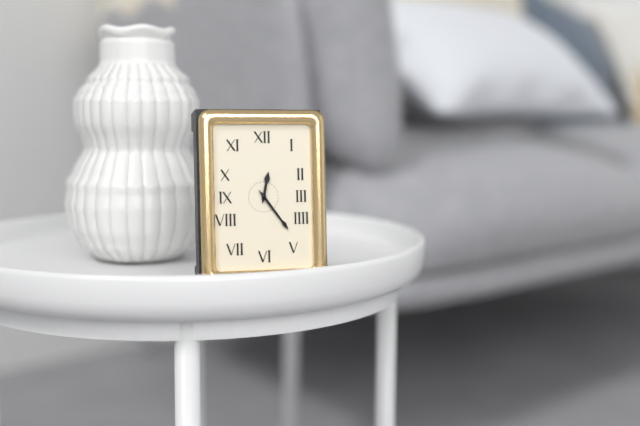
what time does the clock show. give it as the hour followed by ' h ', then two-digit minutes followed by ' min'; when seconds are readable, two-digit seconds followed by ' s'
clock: 12 h 24 min
